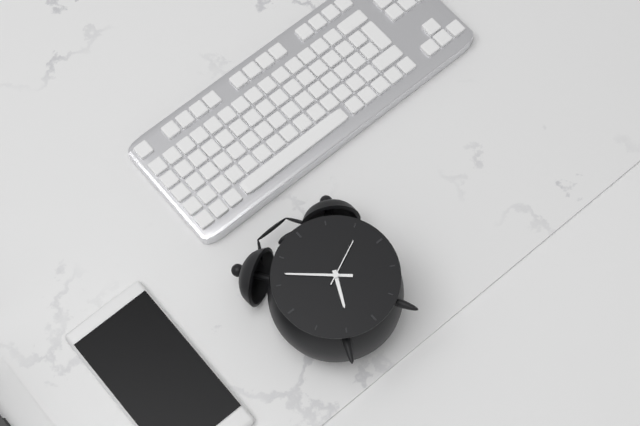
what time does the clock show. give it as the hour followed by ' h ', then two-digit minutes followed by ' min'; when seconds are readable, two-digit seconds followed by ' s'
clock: 6 h 52 min
